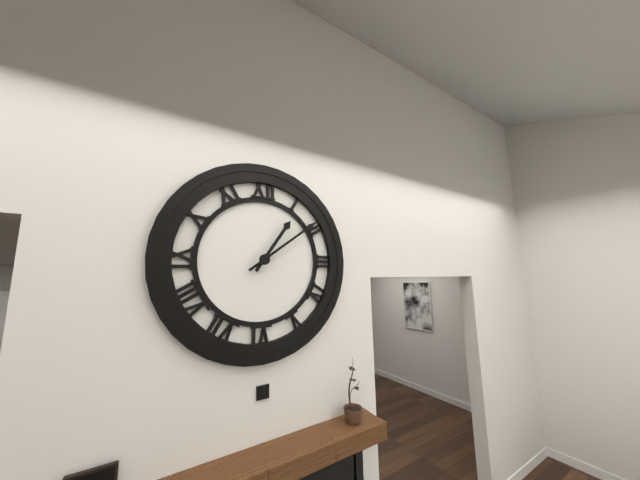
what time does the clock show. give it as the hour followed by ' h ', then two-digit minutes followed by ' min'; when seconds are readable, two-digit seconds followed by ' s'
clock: 1 h 09 min
